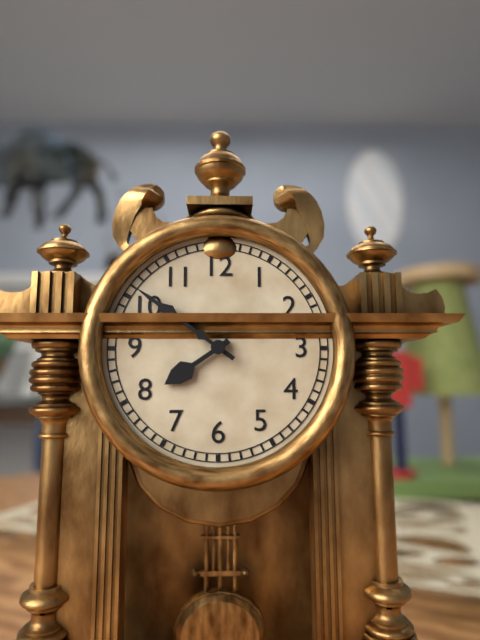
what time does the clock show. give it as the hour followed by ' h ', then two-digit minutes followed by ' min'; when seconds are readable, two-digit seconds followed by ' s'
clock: 7 h 51 min
